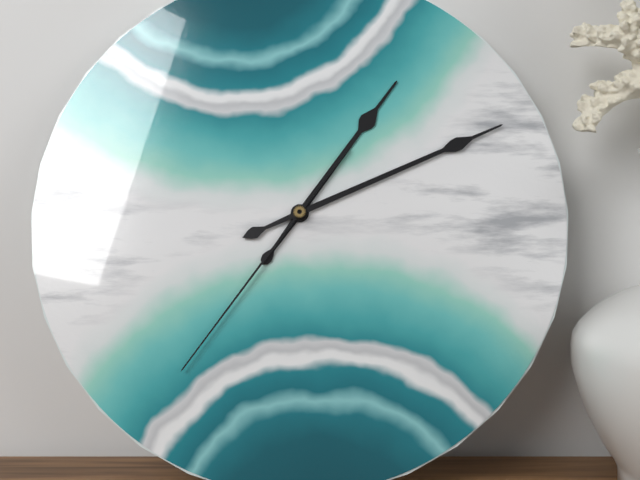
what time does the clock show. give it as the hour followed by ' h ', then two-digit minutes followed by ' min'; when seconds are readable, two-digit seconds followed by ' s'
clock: 1 h 11 min 36 s
